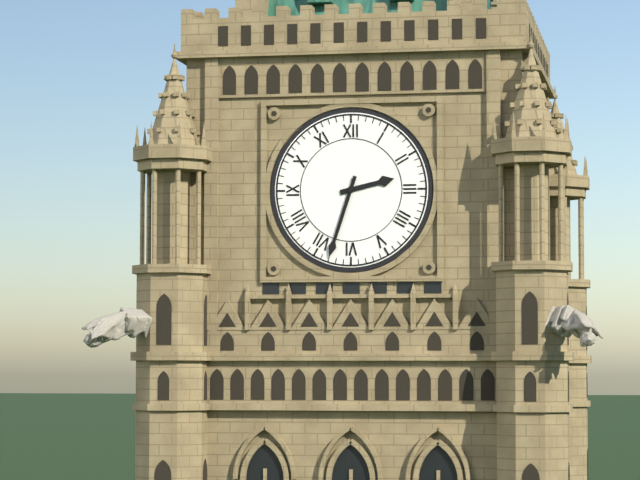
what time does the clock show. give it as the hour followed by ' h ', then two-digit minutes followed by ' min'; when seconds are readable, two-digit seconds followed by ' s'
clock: 2 h 33 min
